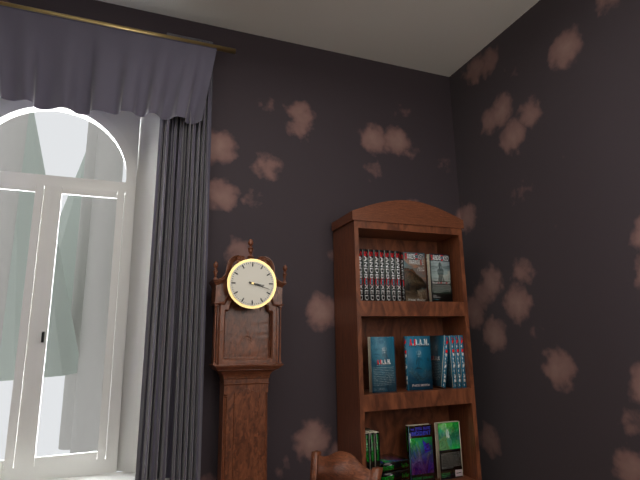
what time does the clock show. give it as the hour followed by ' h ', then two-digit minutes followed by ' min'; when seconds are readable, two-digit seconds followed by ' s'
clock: 3 h 18 min
